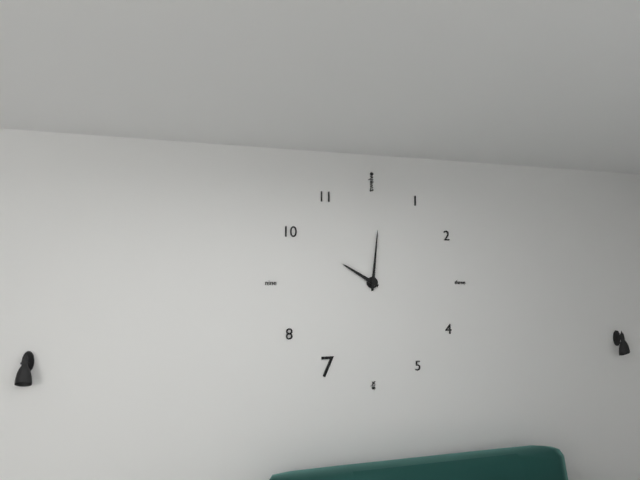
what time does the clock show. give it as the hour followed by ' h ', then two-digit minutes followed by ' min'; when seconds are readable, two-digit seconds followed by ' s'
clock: 10 h 01 min
